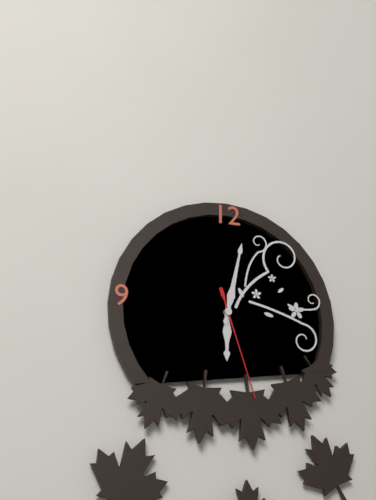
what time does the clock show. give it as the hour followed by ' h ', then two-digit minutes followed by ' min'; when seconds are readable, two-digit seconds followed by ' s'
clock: 6 h 02 min 27 s
